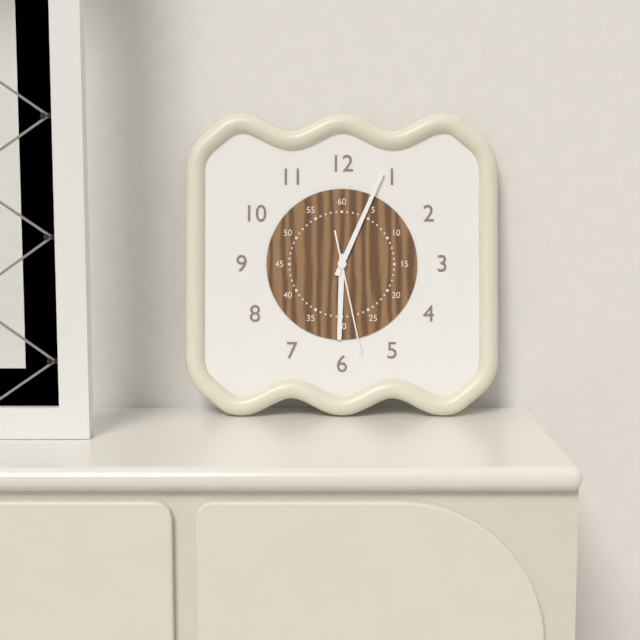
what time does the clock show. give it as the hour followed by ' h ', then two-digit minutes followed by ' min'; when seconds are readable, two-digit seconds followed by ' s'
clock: 6 h 04 min 28 s
